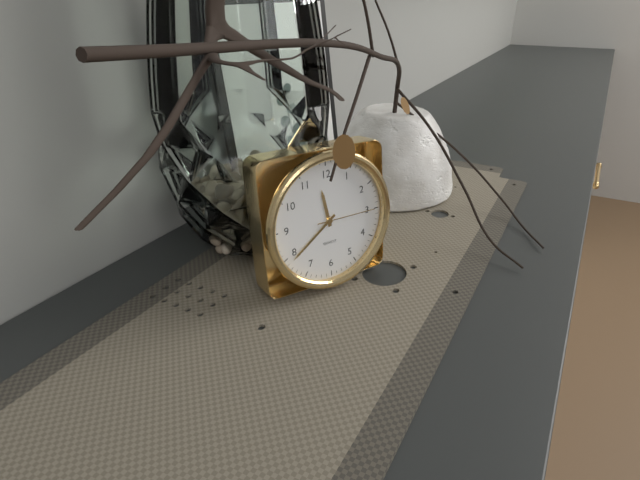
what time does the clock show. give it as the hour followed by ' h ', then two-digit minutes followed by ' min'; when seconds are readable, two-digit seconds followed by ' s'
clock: 11 h 39 min 15 s
